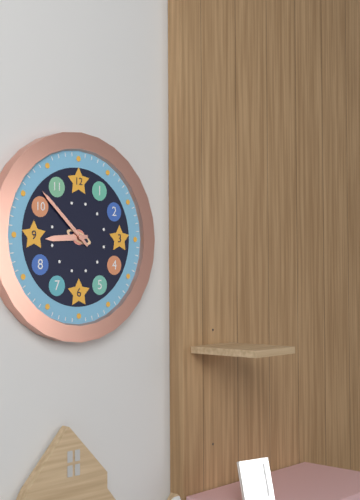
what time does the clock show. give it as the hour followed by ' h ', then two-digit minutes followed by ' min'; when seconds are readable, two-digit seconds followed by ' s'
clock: 8 h 52 min
